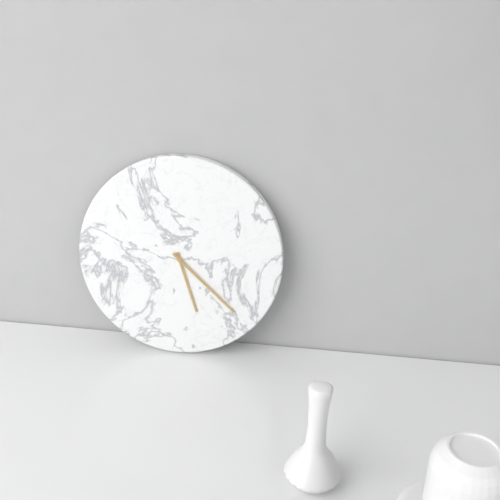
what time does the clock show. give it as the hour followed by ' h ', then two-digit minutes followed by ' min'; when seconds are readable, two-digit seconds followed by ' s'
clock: 5 h 22 min
